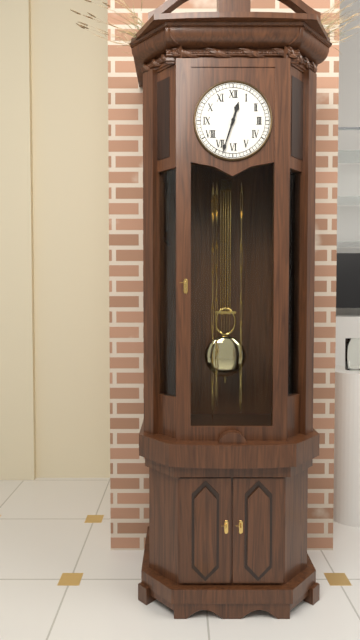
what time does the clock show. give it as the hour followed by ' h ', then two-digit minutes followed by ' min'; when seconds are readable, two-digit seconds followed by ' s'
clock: 12 h 33 min
